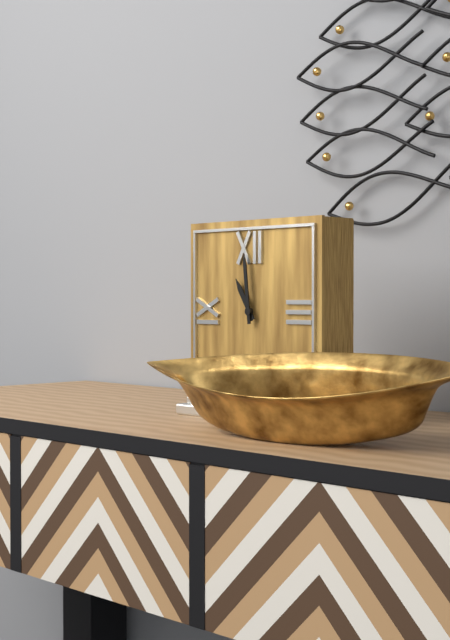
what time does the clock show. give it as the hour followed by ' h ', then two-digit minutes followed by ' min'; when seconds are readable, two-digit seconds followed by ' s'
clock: 10 h 59 min
